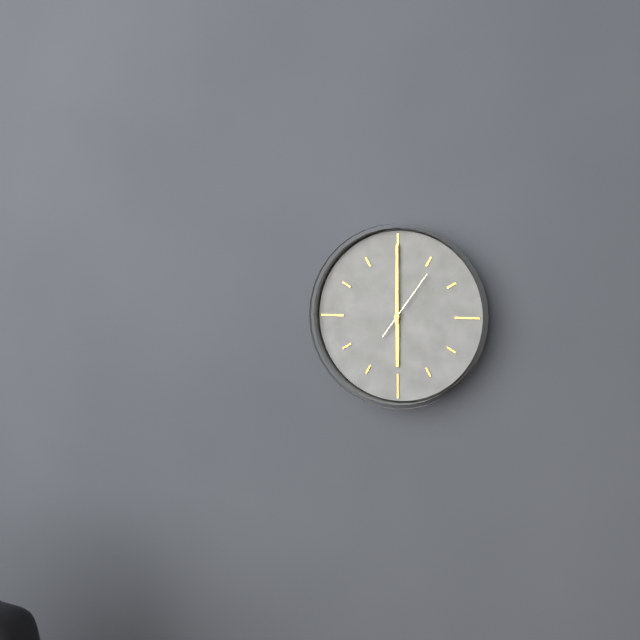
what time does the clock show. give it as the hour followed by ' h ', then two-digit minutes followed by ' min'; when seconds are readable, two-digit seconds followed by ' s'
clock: 6 h 00 min 06 s
